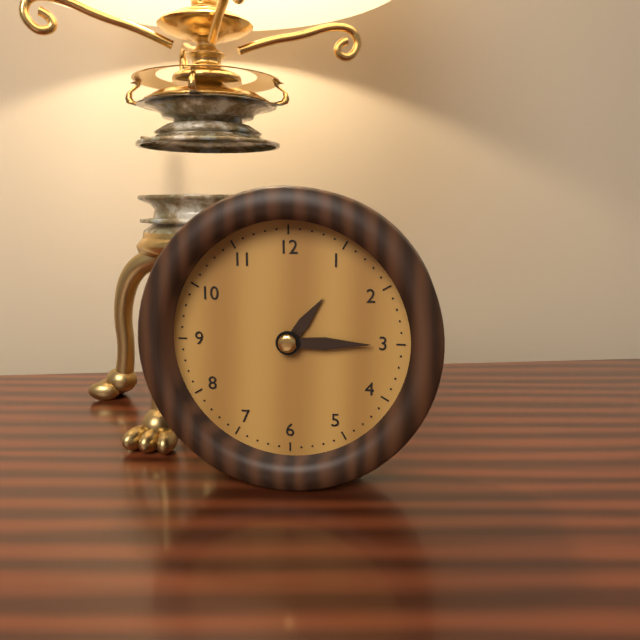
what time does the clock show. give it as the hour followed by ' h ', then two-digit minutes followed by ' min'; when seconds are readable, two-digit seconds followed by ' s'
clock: 1 h 15 min
